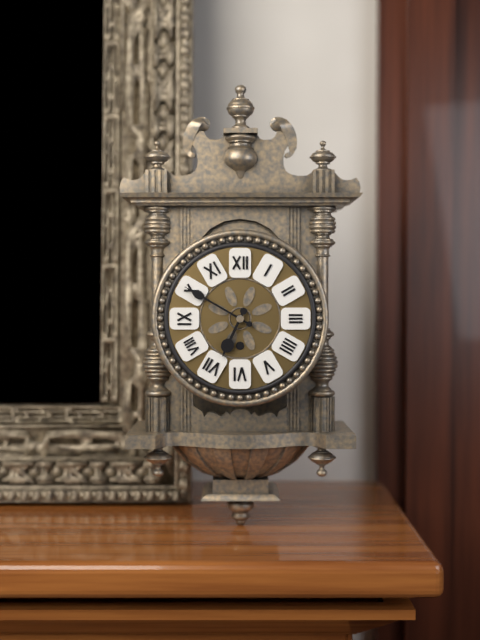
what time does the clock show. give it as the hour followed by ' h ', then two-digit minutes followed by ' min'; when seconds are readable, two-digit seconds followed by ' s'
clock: 6 h 50 min
